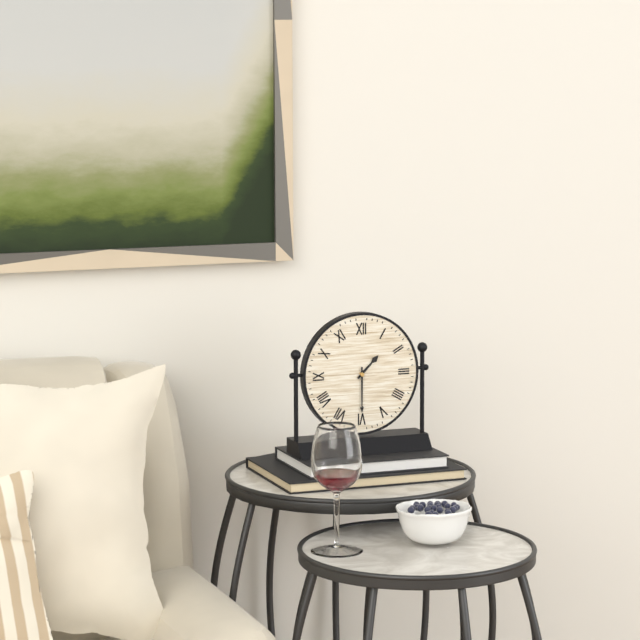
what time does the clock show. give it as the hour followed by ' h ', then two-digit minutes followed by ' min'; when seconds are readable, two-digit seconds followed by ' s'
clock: 1 h 30 min
